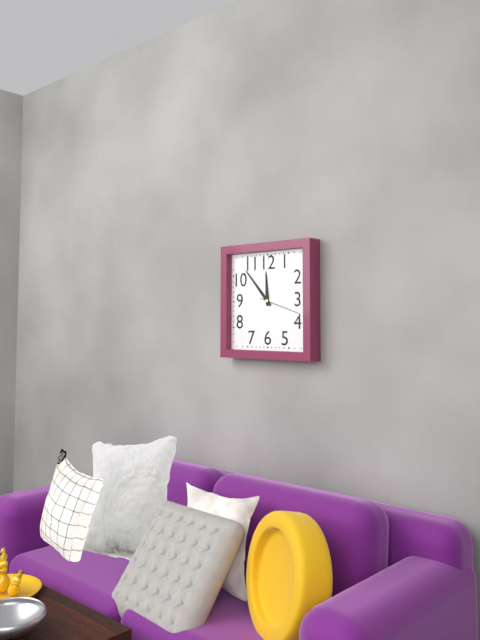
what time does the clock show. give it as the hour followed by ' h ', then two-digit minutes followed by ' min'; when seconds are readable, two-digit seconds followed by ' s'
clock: 11 h 53 min
